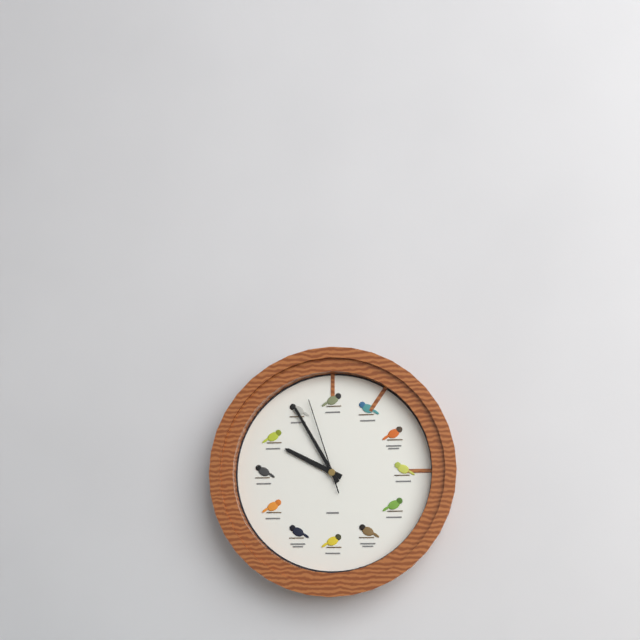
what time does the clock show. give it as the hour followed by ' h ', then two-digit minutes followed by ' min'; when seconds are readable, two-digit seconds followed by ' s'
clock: 9 h 55 min 57 s
